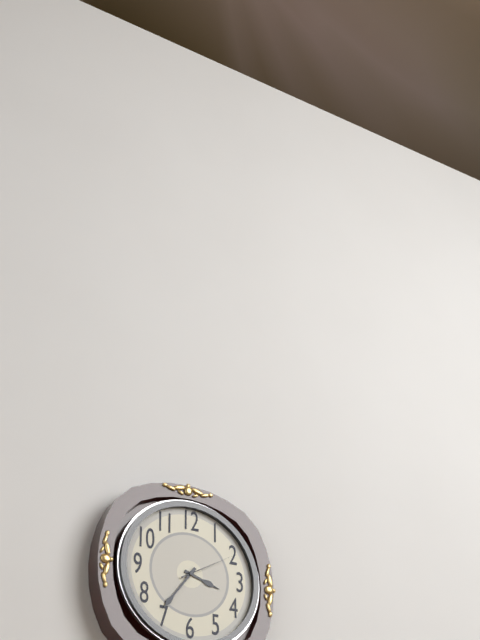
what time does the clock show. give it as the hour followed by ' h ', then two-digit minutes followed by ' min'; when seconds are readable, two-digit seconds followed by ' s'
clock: 3 h 36 min 10 s
